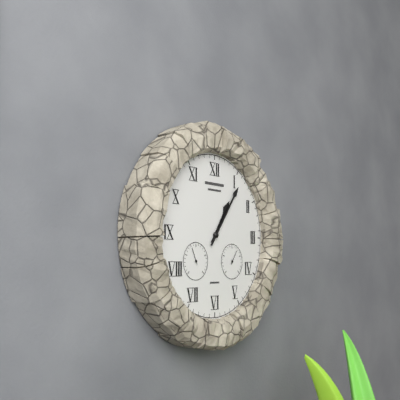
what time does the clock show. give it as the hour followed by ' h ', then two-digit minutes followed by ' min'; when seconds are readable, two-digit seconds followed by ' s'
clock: 1 h 06 min
